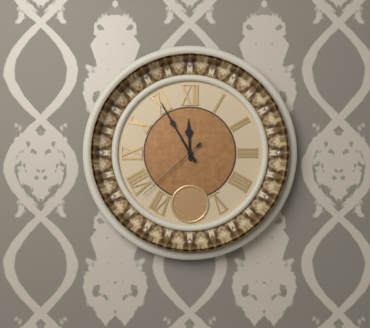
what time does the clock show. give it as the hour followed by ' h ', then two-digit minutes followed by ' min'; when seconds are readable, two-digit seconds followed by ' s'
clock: 11 h 55 min 38 s
